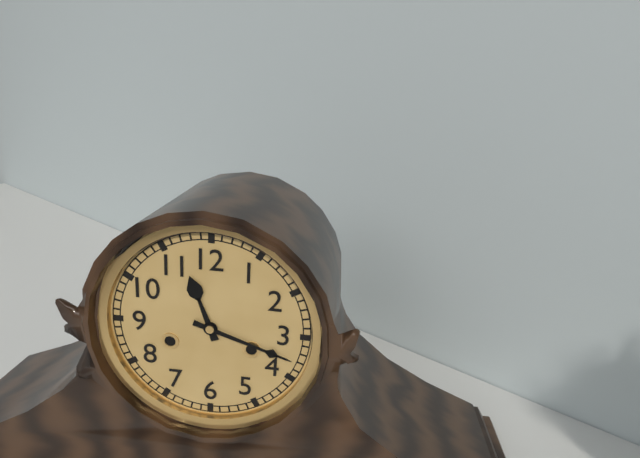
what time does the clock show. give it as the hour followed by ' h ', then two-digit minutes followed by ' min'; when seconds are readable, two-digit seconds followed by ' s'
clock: 11 h 18 min
